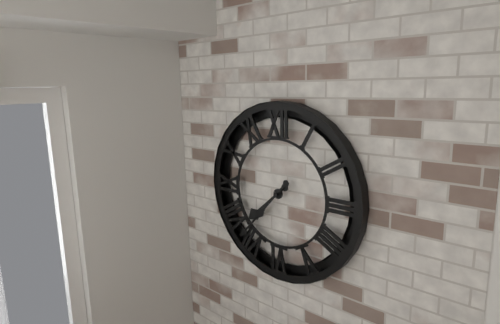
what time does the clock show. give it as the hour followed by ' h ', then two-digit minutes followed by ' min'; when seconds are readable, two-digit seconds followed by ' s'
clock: 7 h 37 min
